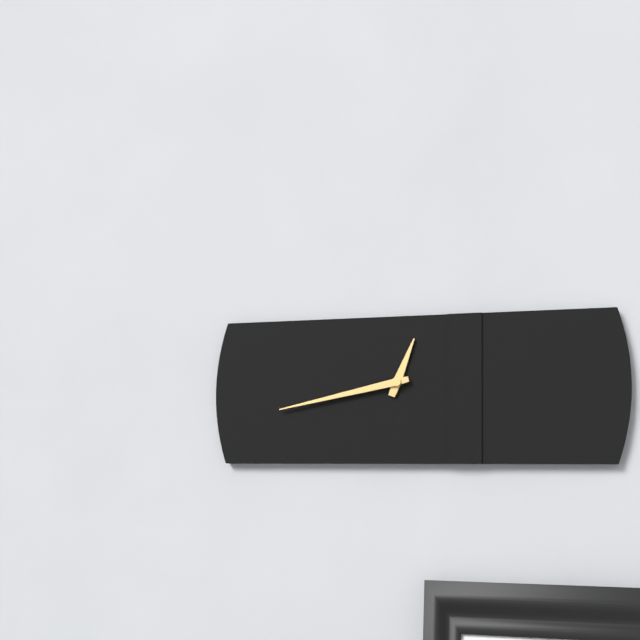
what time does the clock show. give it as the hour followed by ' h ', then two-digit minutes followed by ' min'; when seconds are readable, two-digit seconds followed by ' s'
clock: 12 h 43 min
